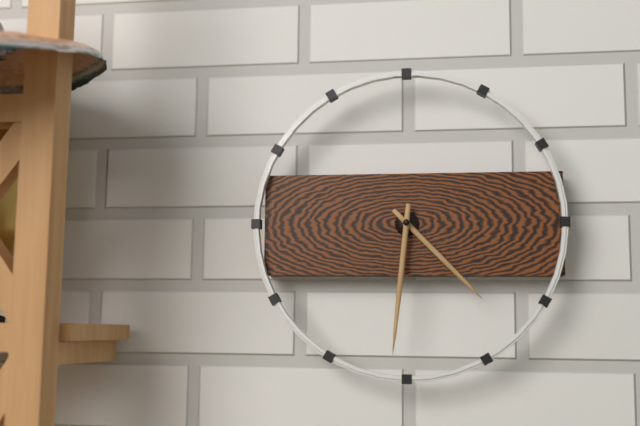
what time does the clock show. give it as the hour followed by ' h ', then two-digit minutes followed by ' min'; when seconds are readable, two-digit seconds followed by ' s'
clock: 4 h 31 min
